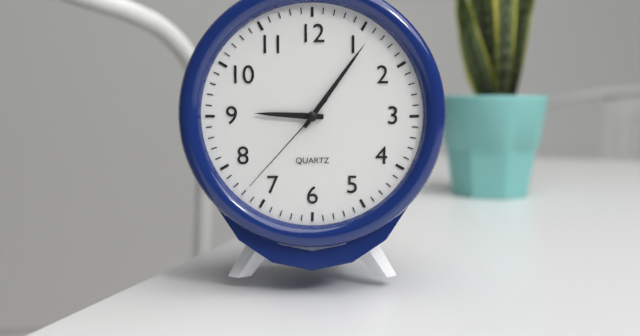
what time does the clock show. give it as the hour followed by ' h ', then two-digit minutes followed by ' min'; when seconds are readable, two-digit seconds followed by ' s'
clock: 9 h 06 min 37 s
